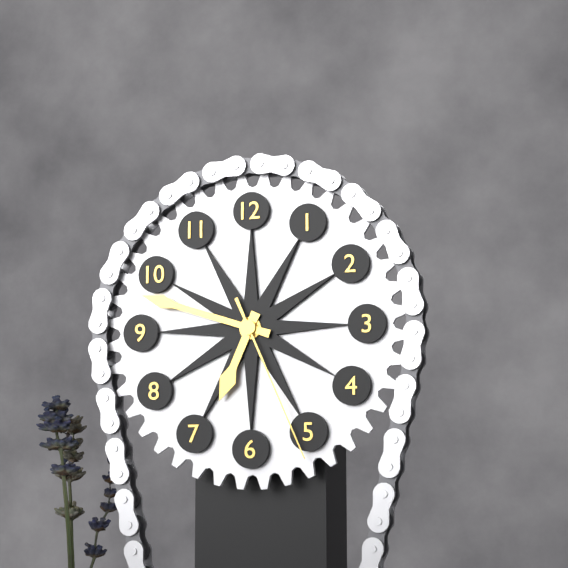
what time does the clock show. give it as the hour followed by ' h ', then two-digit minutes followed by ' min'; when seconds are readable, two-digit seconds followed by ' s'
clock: 6 h 48 min 26 s
